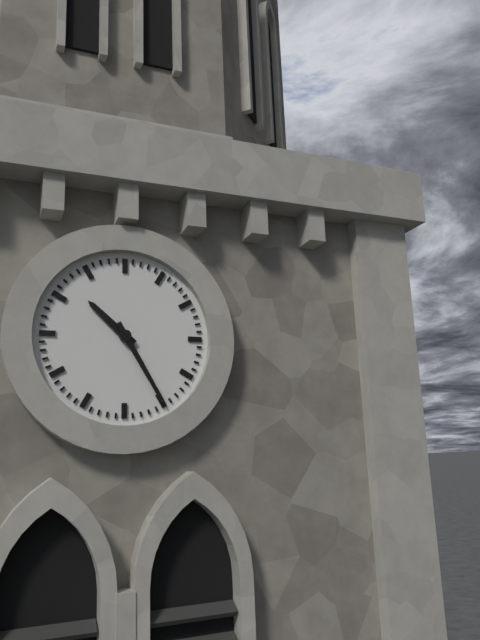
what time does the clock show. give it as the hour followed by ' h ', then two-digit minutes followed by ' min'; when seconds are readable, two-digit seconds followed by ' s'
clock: 10 h 25 min
